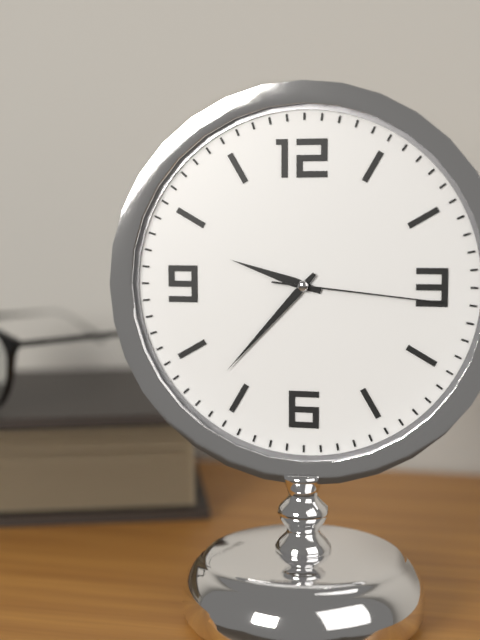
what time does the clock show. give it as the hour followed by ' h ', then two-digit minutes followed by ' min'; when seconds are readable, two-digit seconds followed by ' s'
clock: 9 h 37 min 16 s
